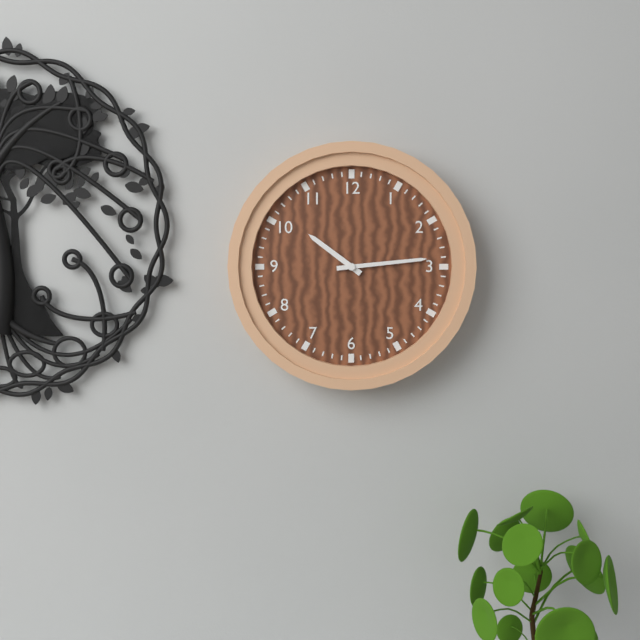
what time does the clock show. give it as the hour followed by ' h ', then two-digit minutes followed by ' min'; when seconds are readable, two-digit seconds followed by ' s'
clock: 10 h 14 min
